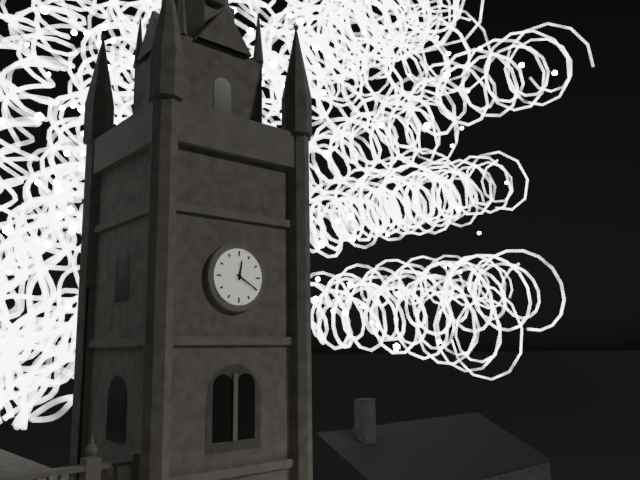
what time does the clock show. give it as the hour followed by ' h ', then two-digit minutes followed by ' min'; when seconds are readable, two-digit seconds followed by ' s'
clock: 12 h 20 min
